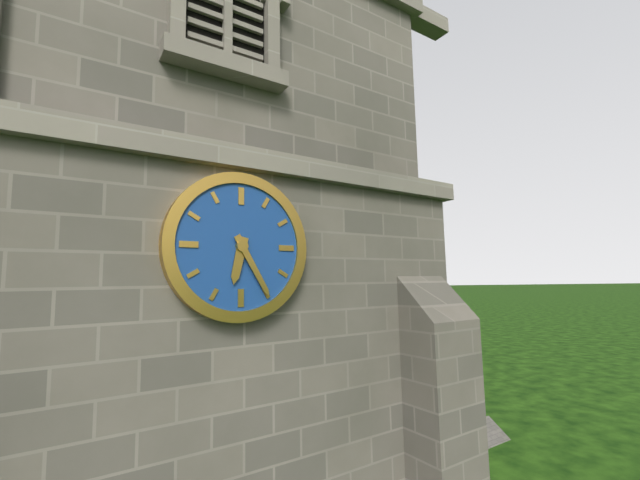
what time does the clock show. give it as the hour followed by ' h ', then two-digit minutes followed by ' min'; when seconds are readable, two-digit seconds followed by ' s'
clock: 6 h 25 min
